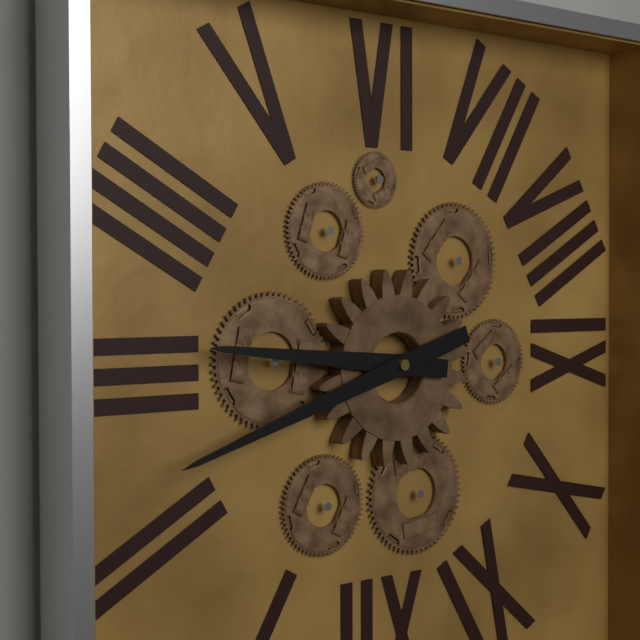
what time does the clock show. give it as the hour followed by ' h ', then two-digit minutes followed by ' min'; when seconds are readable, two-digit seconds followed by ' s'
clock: 3 h 12 min
